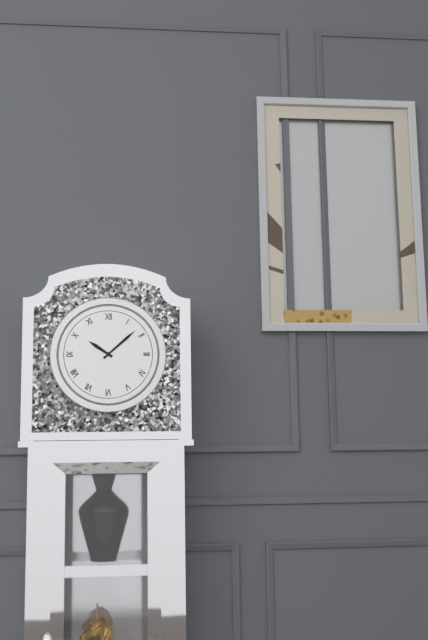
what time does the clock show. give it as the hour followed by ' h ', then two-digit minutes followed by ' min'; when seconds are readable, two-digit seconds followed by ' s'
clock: 10 h 08 min
